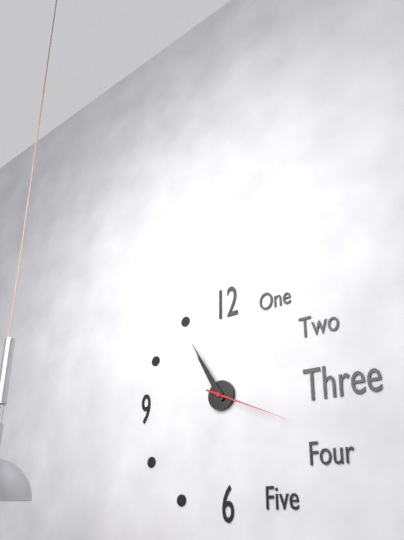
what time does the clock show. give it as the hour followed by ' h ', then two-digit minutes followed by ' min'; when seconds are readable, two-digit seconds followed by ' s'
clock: 10 h 55 min 19 s
